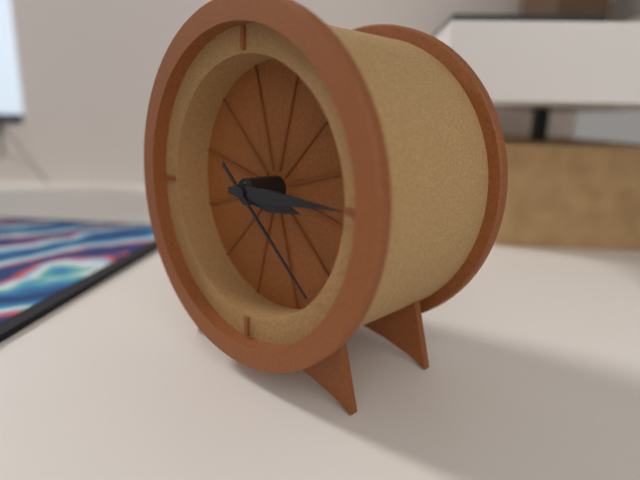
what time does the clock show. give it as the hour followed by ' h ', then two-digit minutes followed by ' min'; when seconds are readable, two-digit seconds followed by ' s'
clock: 3 h 15 min 22 s
